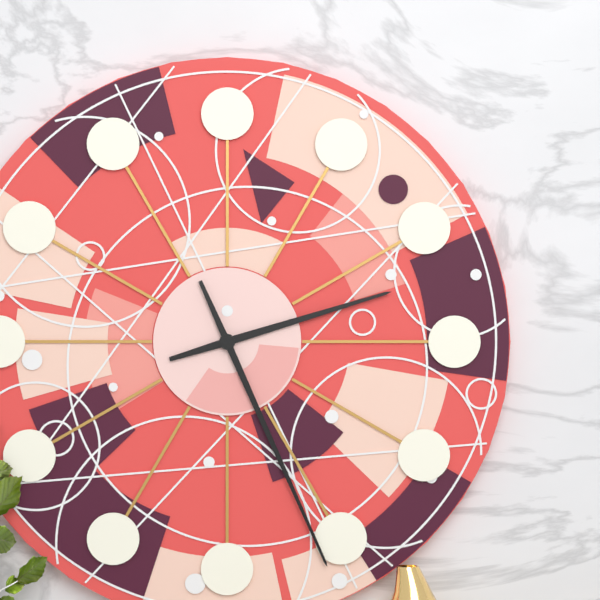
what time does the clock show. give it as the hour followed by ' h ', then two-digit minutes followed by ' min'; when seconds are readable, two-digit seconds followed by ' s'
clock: 2 h 26 min
